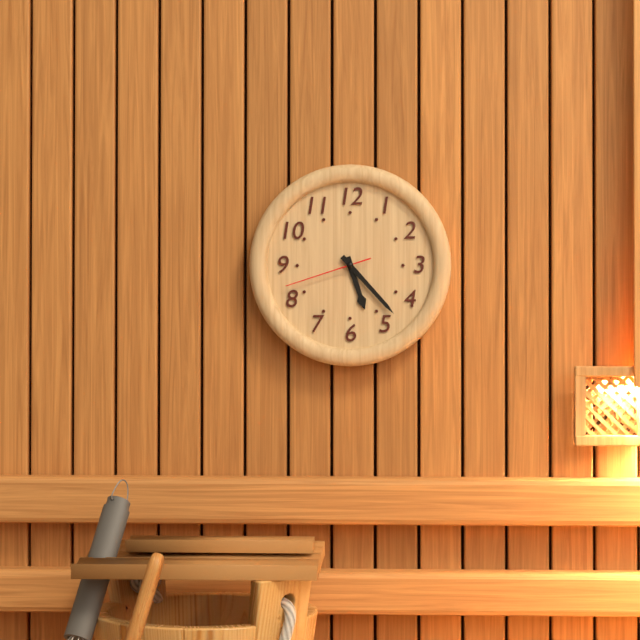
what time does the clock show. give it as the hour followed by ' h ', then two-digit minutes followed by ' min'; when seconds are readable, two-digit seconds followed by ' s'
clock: 5 h 23 min 42 s
